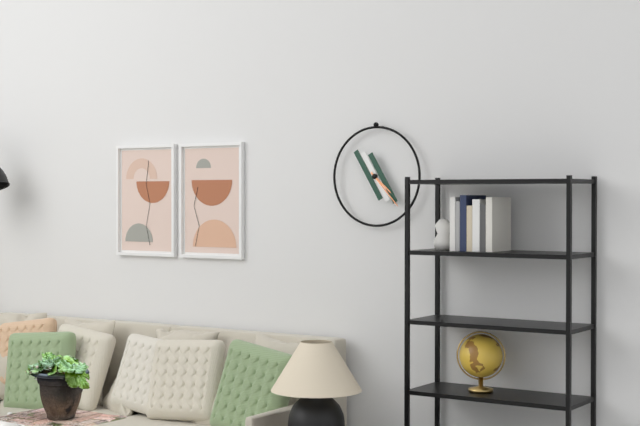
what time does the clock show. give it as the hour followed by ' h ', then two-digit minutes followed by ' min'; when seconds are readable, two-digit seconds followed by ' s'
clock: 4 h 23 min
